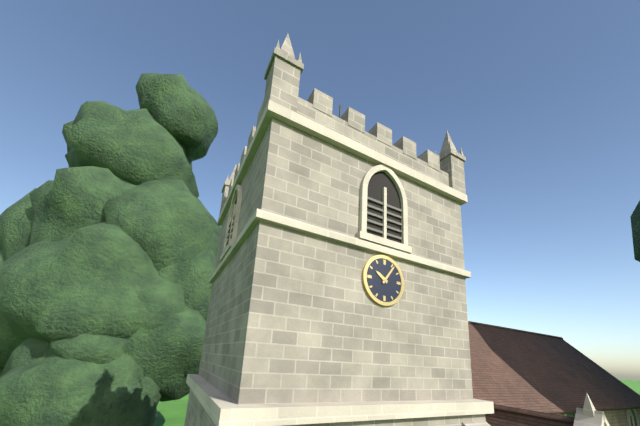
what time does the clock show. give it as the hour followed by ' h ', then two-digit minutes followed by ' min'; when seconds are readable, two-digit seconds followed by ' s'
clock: 10 h 06 min
